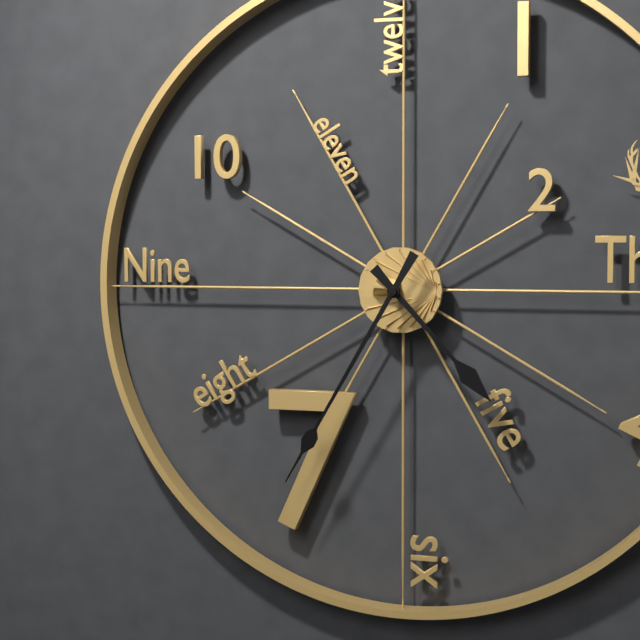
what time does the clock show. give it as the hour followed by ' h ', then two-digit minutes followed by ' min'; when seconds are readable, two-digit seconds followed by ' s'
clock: 4 h 35 min
